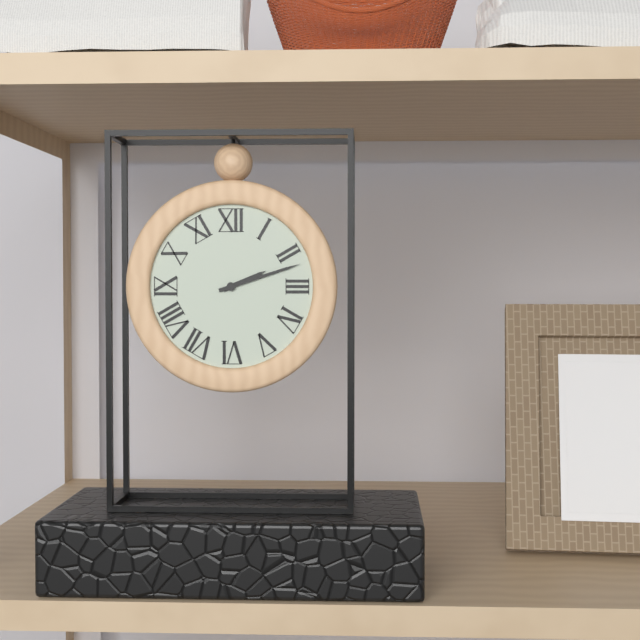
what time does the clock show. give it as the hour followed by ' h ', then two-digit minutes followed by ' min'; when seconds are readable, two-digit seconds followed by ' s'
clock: 2 h 12 min
